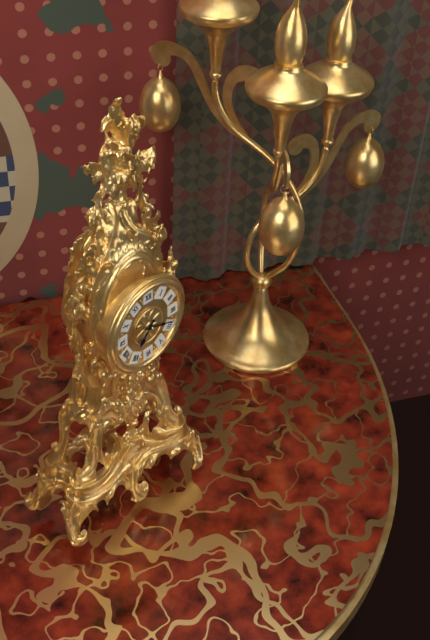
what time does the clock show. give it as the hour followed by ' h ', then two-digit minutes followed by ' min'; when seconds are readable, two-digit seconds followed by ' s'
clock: 7 h 18 min
